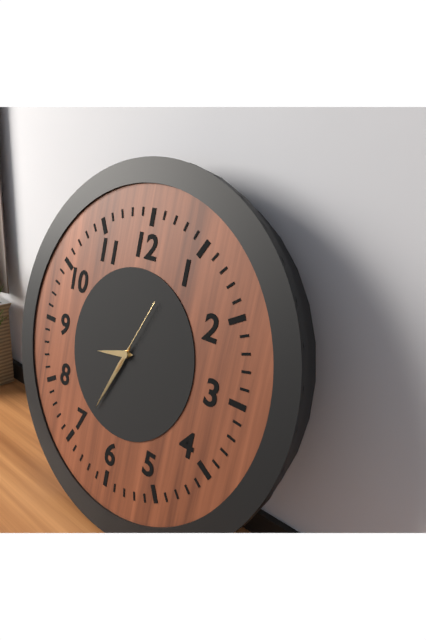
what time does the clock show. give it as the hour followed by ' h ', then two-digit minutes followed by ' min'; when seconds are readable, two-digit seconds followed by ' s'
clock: 8 h 34 min 04 s
